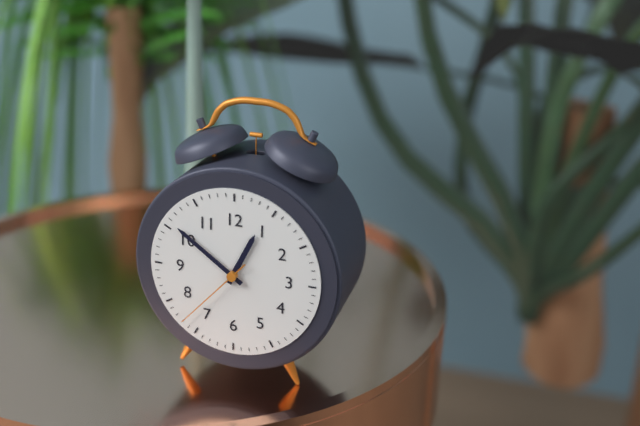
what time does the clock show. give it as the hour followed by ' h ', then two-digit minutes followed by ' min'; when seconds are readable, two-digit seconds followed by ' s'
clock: 12 h 51 min 37 s
